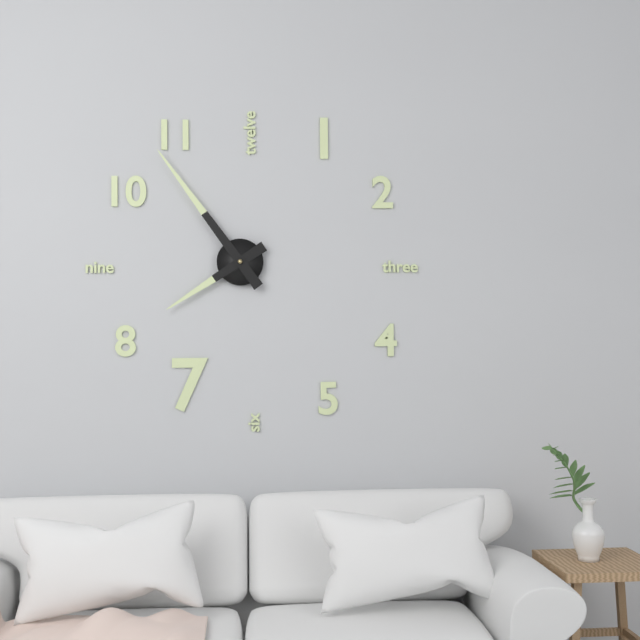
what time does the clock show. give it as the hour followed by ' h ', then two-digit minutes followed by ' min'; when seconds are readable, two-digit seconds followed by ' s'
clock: 7 h 54 min
